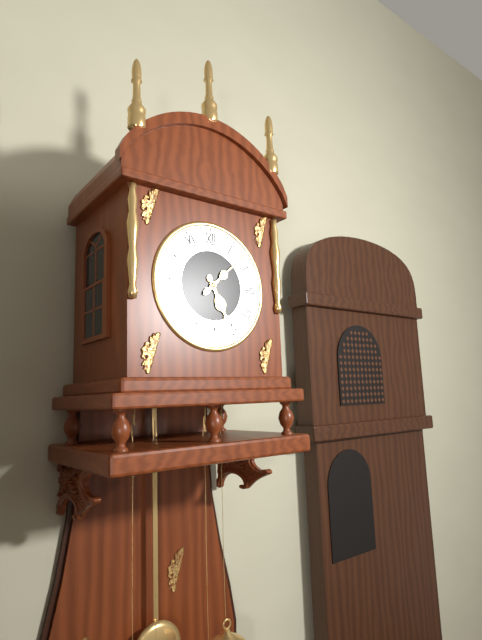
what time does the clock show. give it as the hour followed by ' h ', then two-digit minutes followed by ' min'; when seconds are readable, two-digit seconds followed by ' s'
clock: 5 h 08 min
